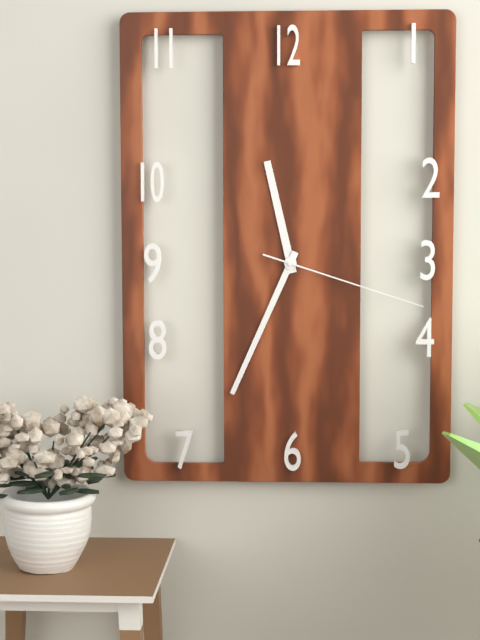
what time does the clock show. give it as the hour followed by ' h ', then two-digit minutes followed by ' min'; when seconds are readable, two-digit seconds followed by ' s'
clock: 11 h 34 min 18 s
